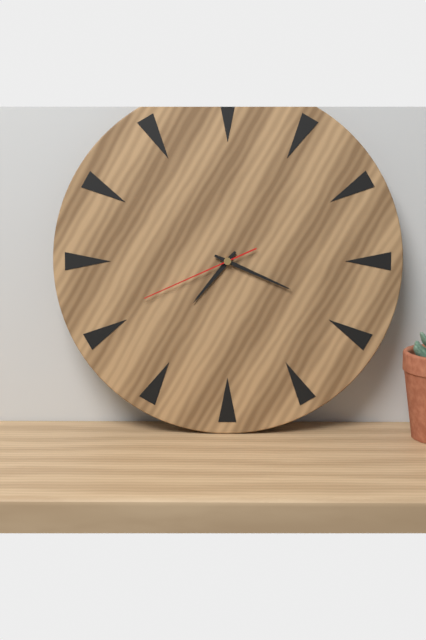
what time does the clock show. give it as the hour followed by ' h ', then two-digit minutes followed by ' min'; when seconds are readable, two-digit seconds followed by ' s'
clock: 7 h 19 min 41 s
